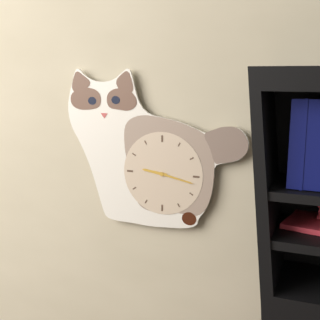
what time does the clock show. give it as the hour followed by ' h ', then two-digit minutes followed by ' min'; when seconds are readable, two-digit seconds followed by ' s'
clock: 9 h 17 min
